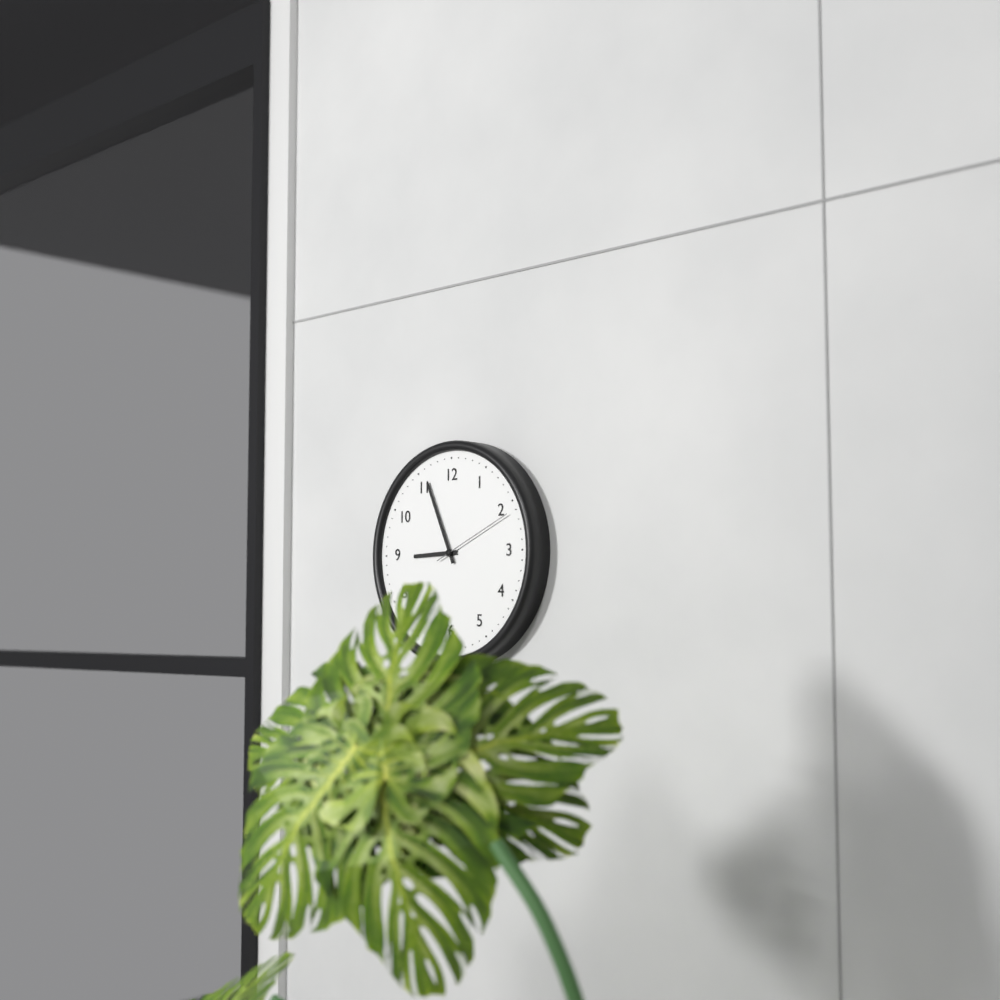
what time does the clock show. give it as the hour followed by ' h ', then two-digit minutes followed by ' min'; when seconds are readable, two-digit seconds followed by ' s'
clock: 8 h 56 min 11 s
